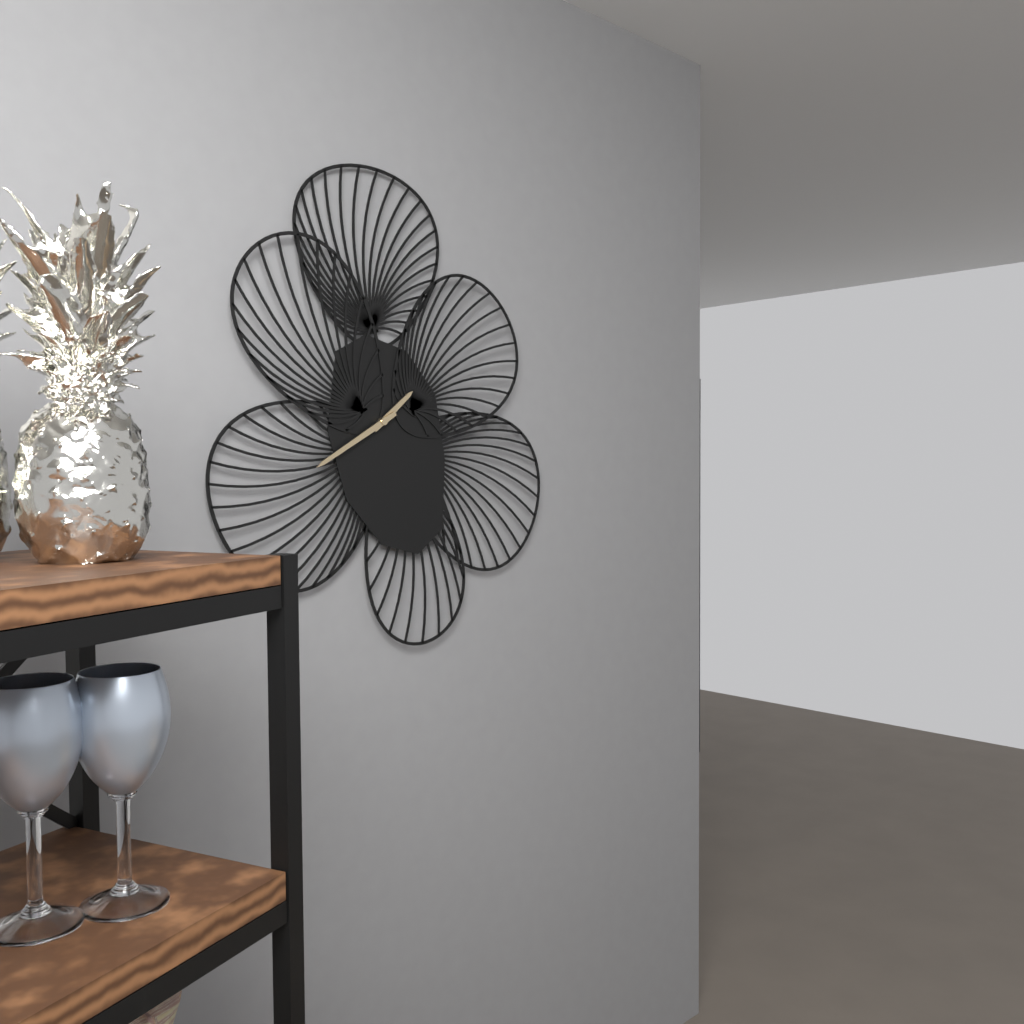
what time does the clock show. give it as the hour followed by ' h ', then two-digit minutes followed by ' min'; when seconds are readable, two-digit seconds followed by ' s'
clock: 1 h 40 min
